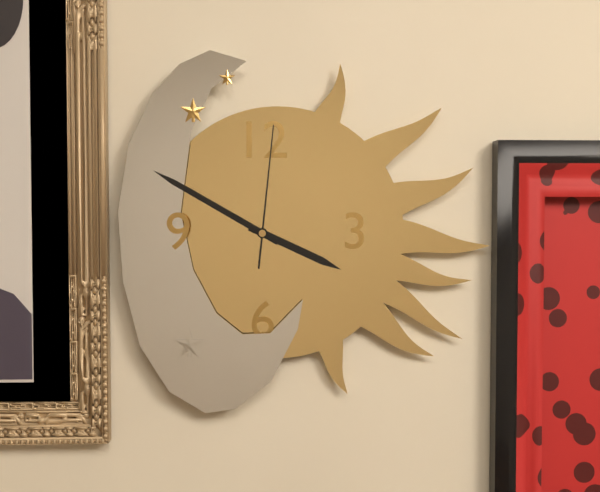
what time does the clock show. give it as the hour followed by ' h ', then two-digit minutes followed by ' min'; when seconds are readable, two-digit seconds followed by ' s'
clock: 3 h 50 min 01 s
